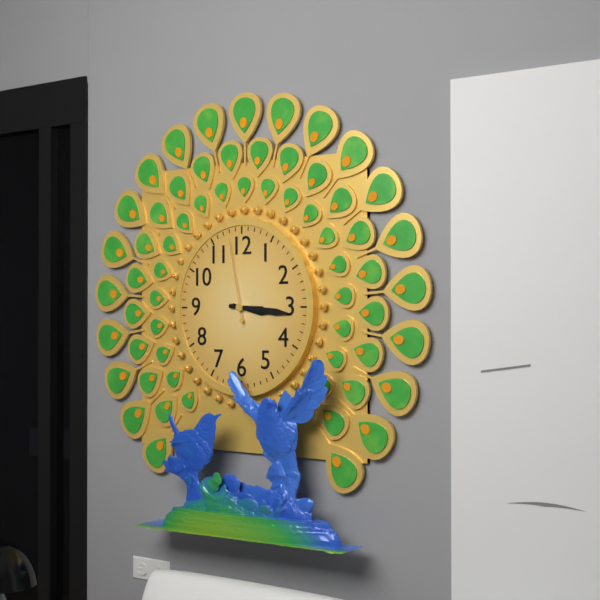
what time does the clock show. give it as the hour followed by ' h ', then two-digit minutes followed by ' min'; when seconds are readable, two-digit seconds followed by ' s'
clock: 3 h 16 min 58 s
